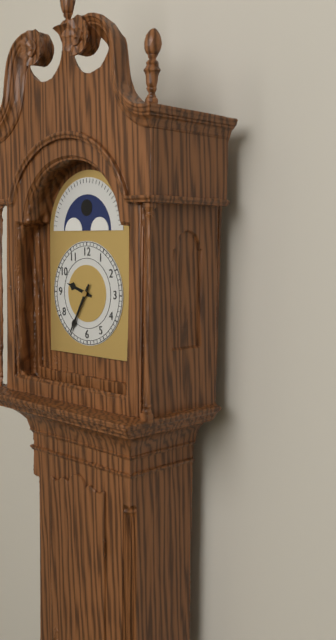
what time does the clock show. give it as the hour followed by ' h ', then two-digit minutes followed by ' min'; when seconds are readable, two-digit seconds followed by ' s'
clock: 9 h 35 min
